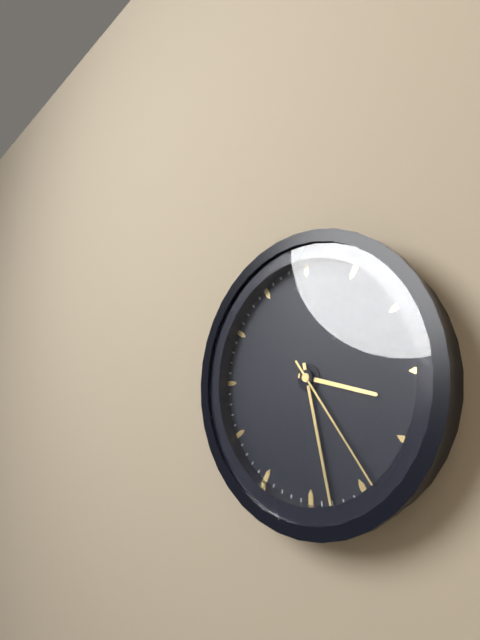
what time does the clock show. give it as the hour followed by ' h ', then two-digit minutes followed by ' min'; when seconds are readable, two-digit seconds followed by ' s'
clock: 3 h 28 min 24 s
